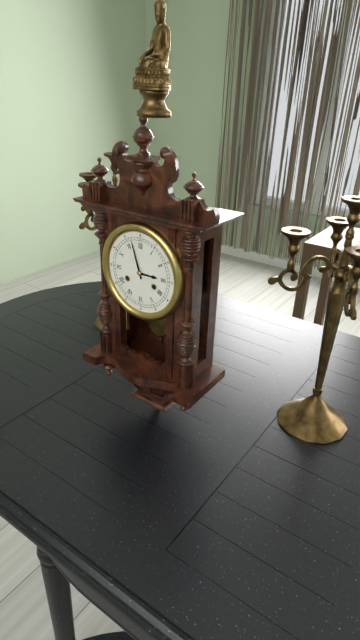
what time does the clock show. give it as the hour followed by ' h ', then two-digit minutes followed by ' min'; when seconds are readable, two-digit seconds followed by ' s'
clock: 2 h 57 min
